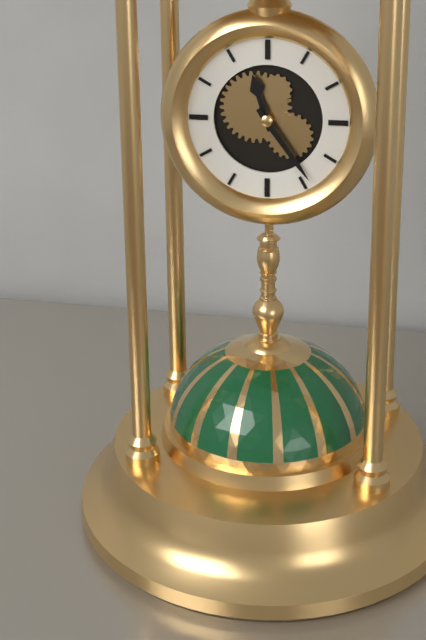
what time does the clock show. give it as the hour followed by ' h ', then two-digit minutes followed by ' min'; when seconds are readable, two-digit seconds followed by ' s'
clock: 11 h 24 min
